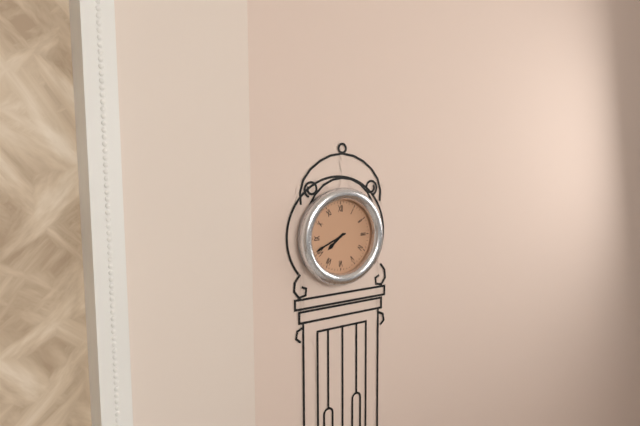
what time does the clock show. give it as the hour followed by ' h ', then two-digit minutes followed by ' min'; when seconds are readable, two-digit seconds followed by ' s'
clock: 7 h 41 min
